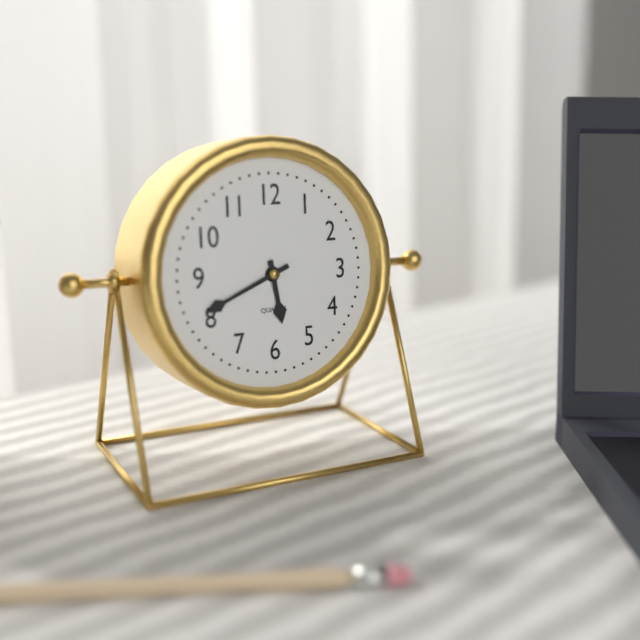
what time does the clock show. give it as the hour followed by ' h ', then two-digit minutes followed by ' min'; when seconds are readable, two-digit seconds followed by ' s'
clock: 5 h 41 min
